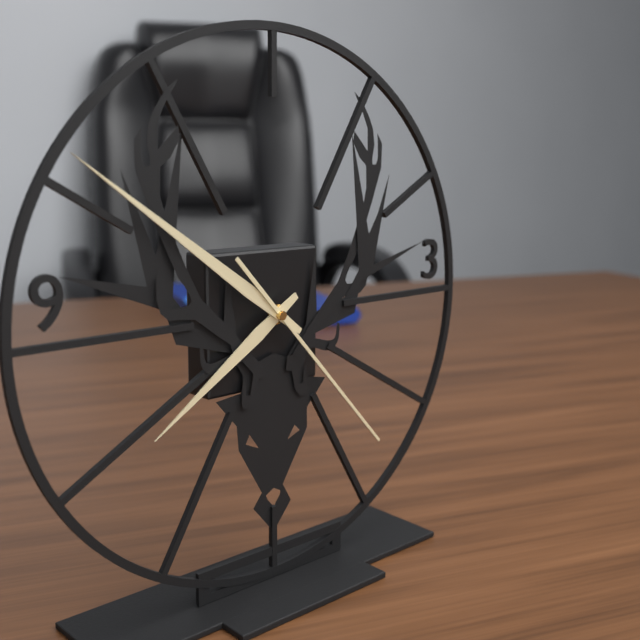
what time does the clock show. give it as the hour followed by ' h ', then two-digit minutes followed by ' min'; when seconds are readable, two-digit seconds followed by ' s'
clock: 7 h 51 min 23 s
